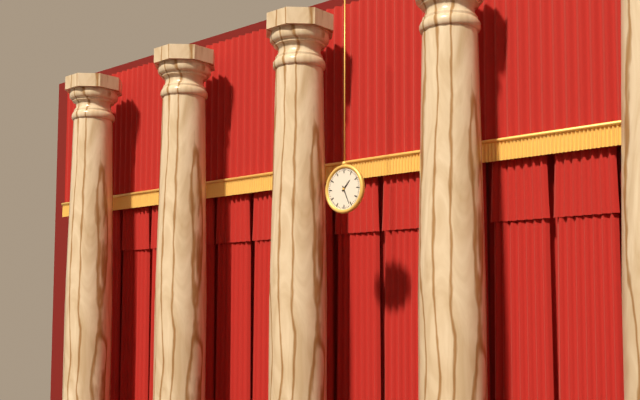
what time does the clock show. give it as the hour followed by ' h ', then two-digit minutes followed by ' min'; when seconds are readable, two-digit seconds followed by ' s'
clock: 1 h 26 min
